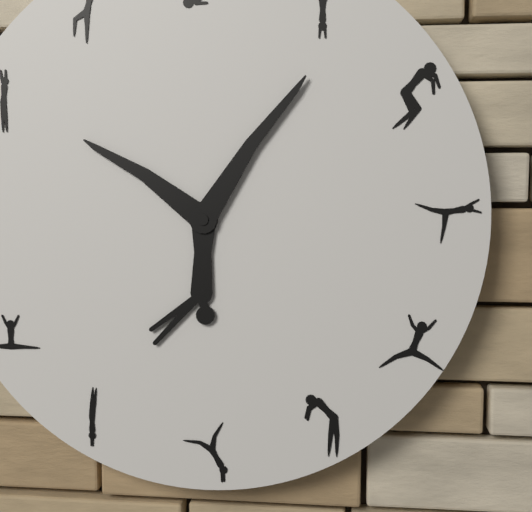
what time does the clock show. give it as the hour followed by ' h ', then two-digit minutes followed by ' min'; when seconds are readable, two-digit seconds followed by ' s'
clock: 10 h 06 min
